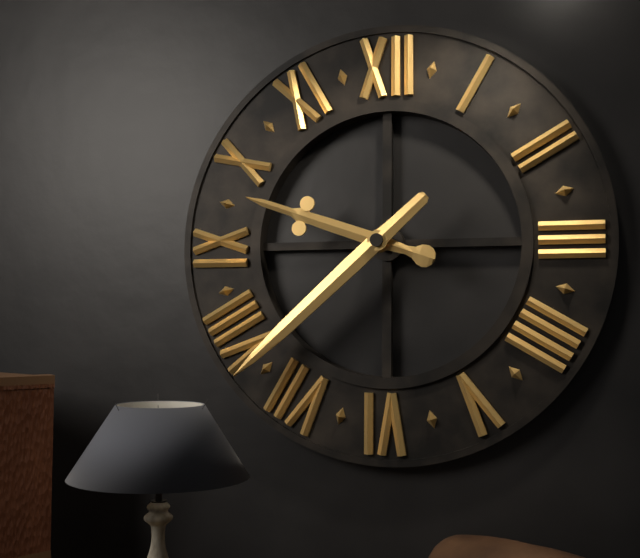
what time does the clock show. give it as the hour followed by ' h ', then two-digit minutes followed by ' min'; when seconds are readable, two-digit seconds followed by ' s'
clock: 9 h 38 min
